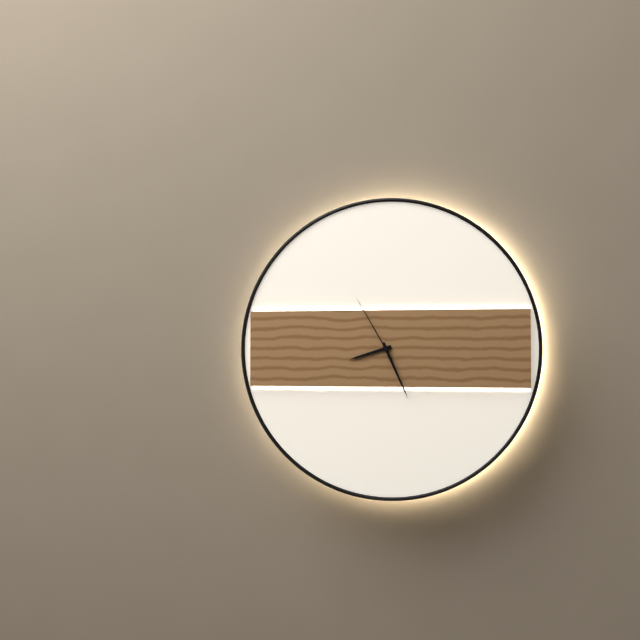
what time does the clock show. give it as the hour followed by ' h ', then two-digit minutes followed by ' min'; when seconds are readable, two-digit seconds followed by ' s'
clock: 8 h 26 min 55 s
